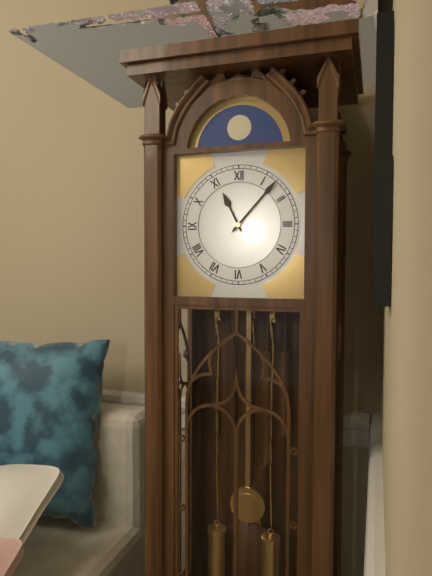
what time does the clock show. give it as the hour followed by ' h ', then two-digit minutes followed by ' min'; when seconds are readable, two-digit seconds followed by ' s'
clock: 11 h 07 min
